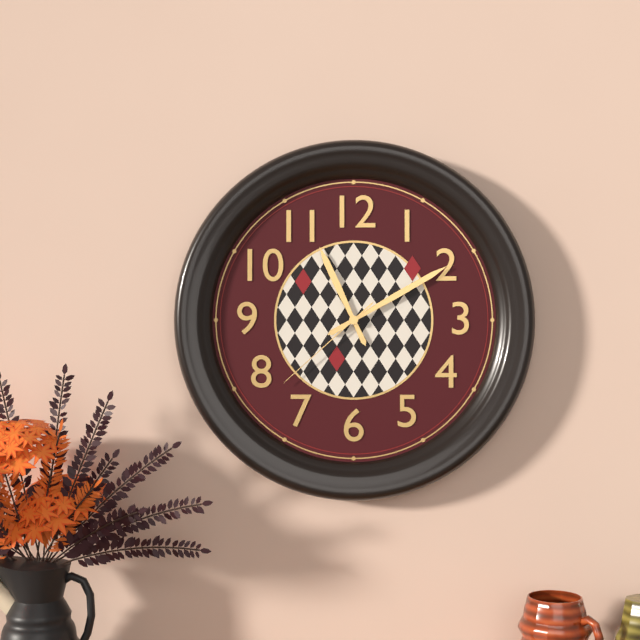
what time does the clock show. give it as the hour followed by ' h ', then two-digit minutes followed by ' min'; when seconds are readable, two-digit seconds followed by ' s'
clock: 11 h 10 min 38 s
